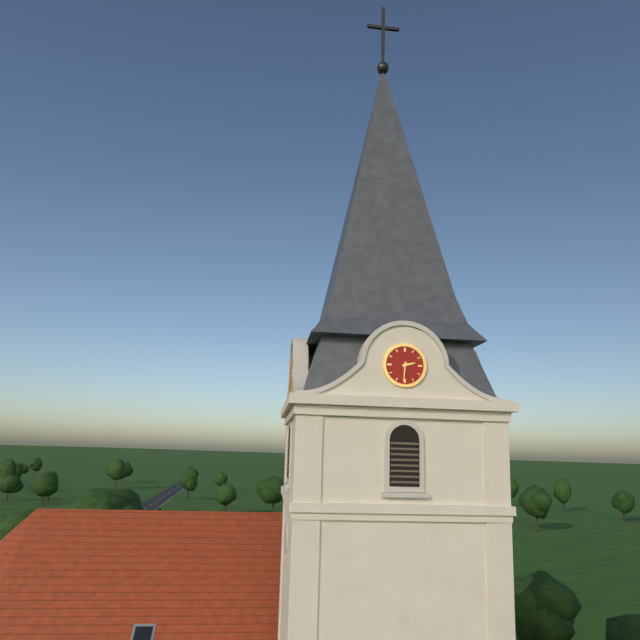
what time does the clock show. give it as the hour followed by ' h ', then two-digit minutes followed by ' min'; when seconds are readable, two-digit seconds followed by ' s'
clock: 2 h 31 min
